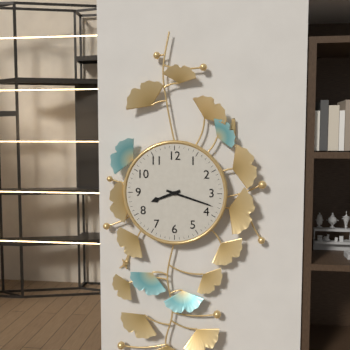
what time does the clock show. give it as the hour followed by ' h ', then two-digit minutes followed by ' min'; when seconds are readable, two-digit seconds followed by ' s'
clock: 8 h 18 min
